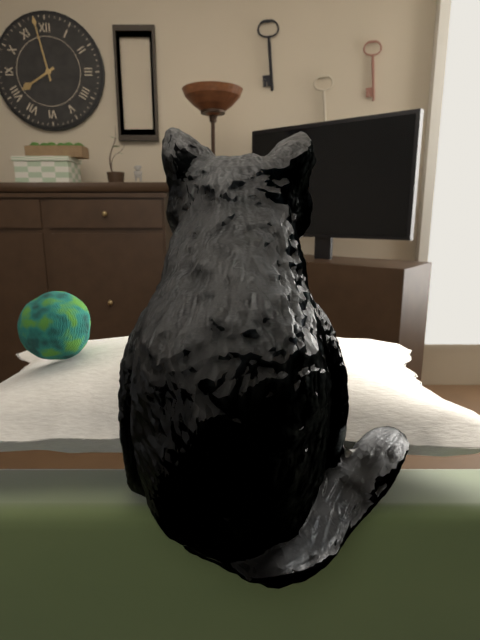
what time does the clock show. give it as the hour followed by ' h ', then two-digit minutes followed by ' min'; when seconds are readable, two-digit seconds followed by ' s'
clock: 7 h 58 min
